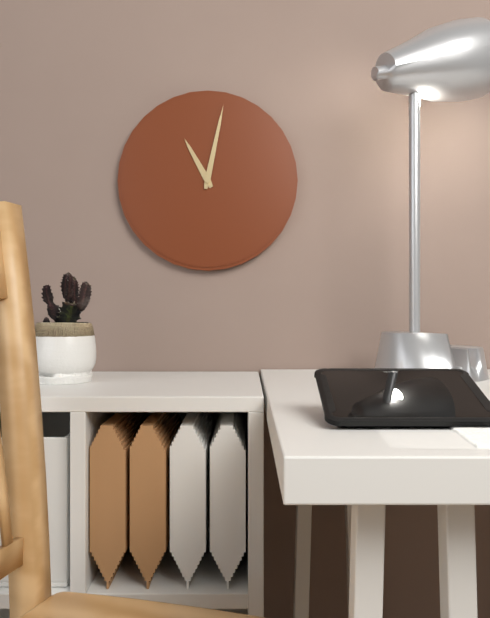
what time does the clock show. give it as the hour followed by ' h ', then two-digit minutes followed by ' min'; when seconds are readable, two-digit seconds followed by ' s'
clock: 11 h 02 min
